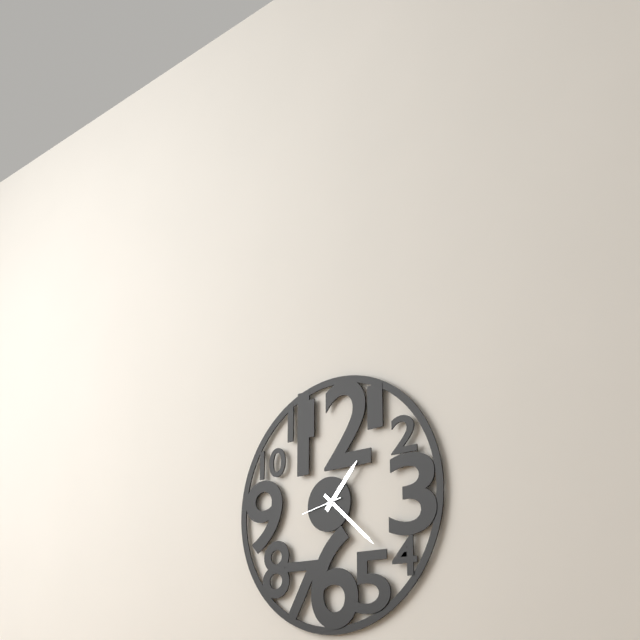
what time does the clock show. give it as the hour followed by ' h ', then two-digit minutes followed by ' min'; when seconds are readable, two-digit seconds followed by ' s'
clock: 1 h 22 min
